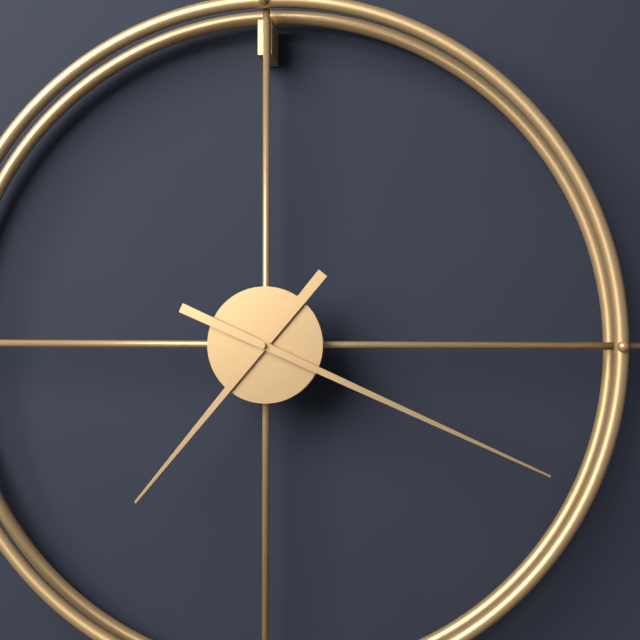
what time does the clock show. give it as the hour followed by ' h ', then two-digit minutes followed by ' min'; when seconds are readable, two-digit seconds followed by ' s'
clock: 7 h 19 min
